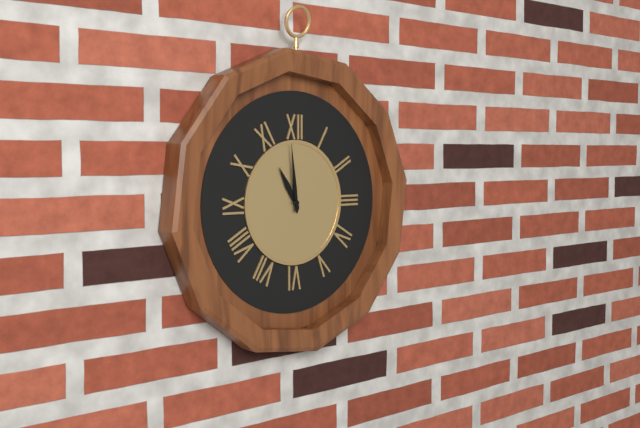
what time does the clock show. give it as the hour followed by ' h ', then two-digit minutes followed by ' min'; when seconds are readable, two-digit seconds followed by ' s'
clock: 10 h 59 min
